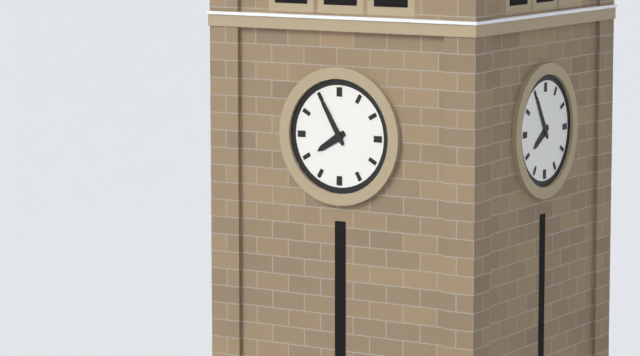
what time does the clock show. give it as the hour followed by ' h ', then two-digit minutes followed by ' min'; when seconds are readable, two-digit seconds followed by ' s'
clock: 7 h 55 min
